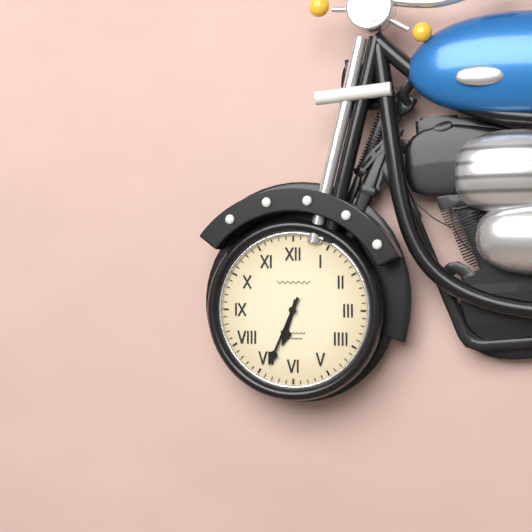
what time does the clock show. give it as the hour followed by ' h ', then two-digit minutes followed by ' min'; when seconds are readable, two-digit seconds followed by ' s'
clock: 6 h 34 min
